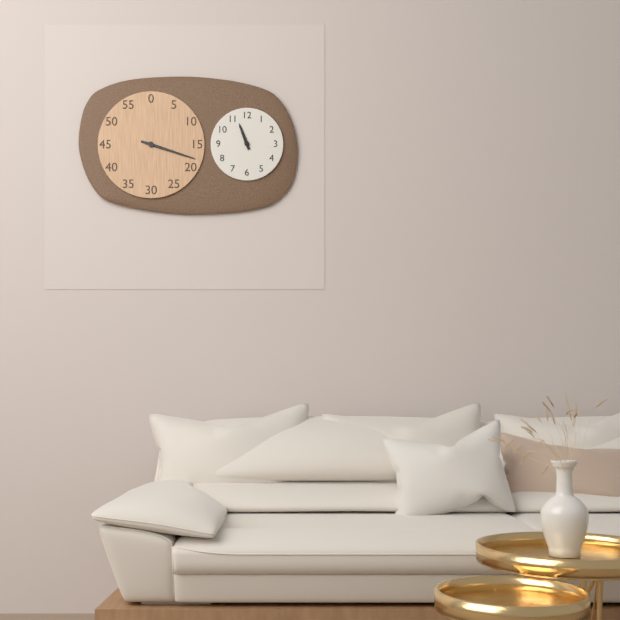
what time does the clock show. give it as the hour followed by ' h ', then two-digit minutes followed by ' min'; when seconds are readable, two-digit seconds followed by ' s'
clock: 11 h 18 min
